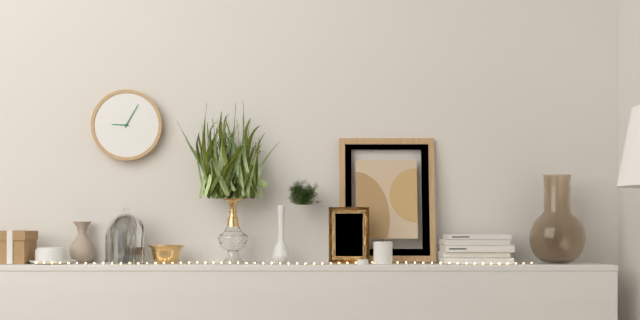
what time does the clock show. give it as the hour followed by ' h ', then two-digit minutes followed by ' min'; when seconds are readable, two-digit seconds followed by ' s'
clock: 9 h 05 min
